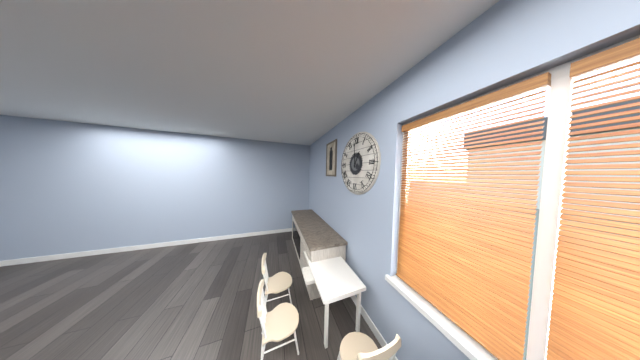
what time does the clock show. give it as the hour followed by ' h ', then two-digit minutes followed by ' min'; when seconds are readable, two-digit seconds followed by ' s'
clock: 12 h 59 min
